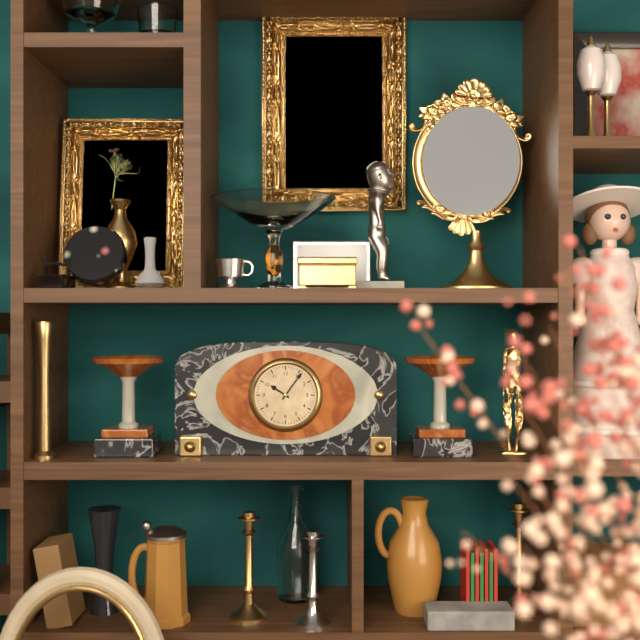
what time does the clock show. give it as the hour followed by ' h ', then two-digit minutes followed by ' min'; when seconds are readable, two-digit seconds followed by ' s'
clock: 10 h 06 min
